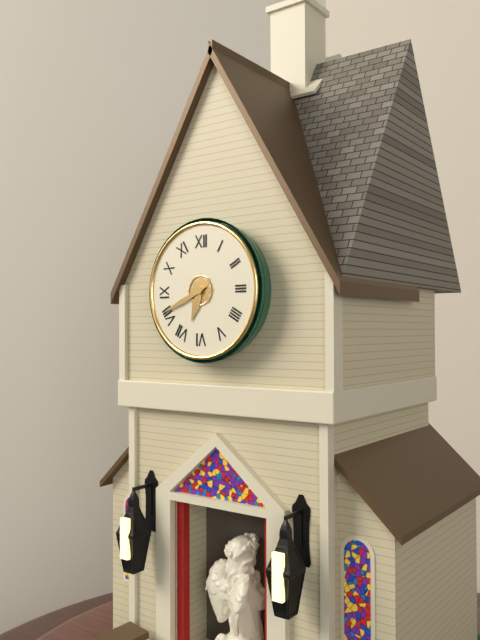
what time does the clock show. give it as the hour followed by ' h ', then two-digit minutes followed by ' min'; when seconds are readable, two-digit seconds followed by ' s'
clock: 6 h 41 min
